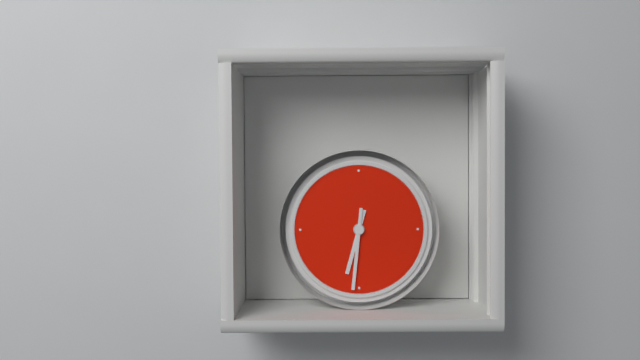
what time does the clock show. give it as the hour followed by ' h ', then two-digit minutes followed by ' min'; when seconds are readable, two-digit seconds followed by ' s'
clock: 6 h 31 min
